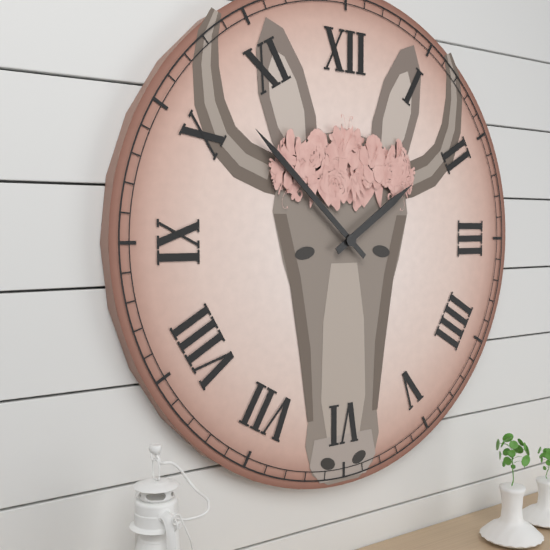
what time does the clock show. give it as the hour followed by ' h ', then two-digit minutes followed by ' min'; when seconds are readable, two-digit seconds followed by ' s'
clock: 1 h 52 min
